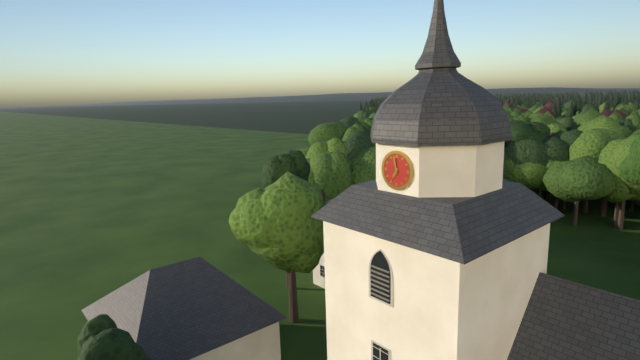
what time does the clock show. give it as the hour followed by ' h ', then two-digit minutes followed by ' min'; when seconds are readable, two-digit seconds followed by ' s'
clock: 6 h 58 min
